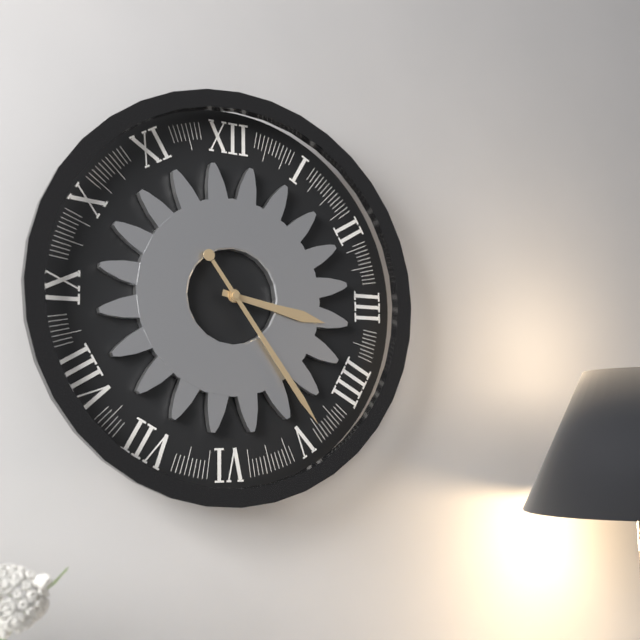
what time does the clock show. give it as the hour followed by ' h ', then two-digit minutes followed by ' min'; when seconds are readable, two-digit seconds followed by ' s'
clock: 3 h 24 min
